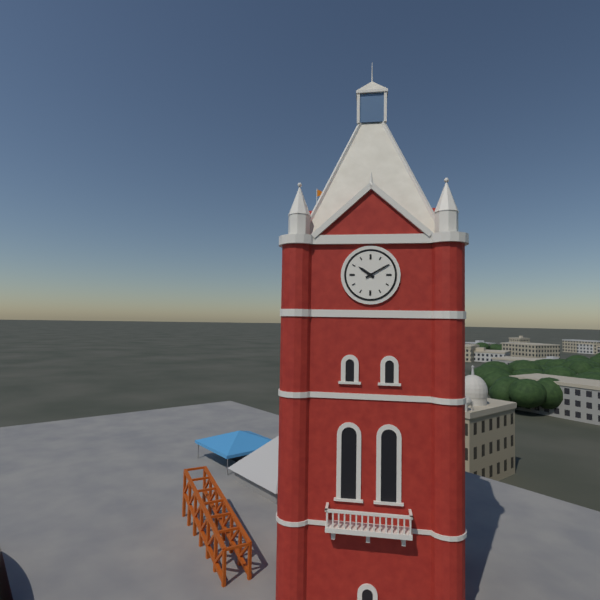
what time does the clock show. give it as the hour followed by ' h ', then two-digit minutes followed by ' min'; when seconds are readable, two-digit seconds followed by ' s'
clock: 10 h 10 min
